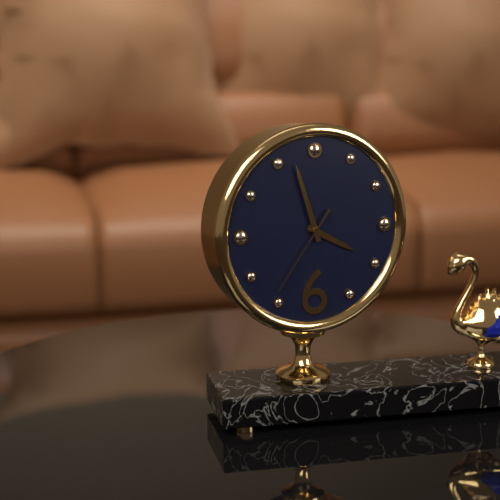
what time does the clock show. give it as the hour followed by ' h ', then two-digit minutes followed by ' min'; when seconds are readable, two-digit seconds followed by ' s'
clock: 3 h 57 min 36 s
